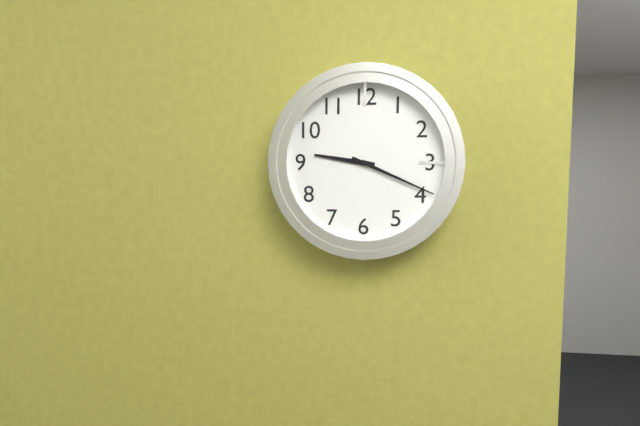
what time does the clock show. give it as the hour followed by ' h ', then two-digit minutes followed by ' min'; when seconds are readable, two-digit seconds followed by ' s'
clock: 9 h 19 min
